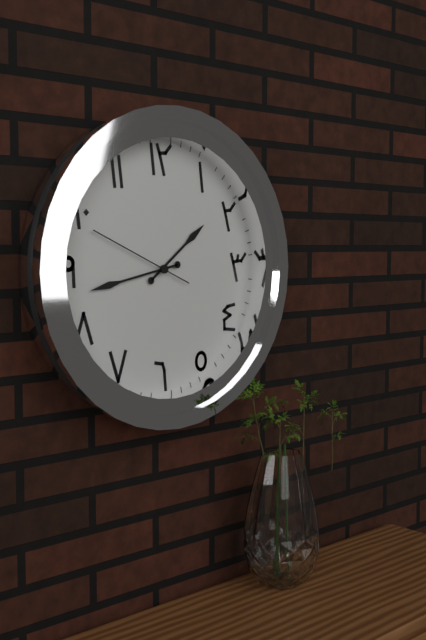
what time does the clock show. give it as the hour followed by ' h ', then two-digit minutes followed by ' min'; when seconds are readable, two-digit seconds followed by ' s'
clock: 1 h 43 min 49 s
